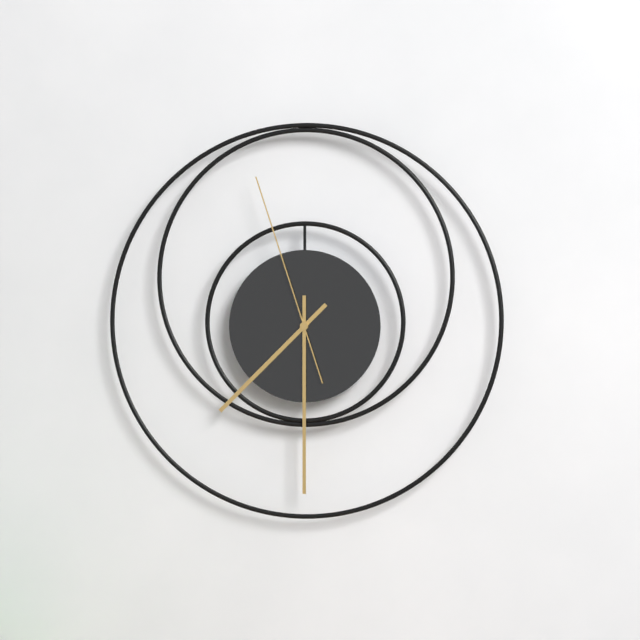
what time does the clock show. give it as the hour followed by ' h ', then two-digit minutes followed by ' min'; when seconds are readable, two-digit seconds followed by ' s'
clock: 7 h 30 min 57 s
